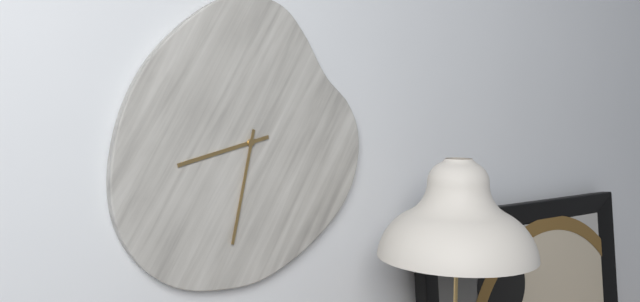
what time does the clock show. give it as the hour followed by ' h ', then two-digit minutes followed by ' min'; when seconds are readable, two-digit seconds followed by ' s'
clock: 8 h 32 min
